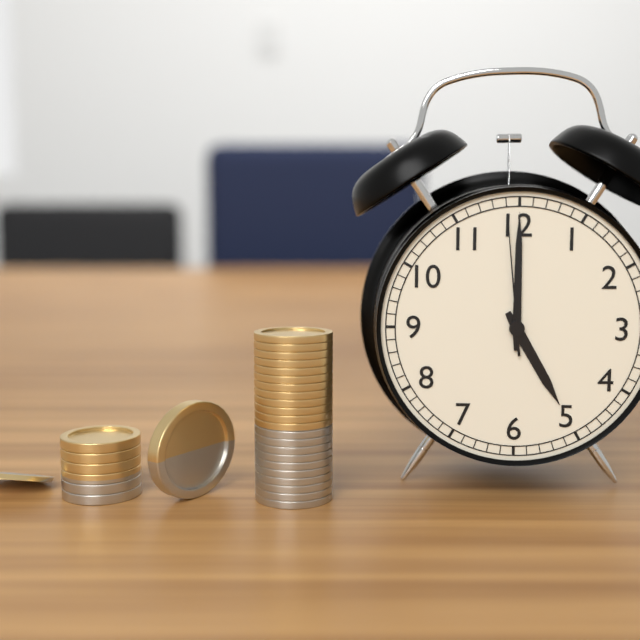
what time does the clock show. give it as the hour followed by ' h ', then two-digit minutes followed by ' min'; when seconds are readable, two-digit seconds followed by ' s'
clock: 5 h 00 min 59 s
